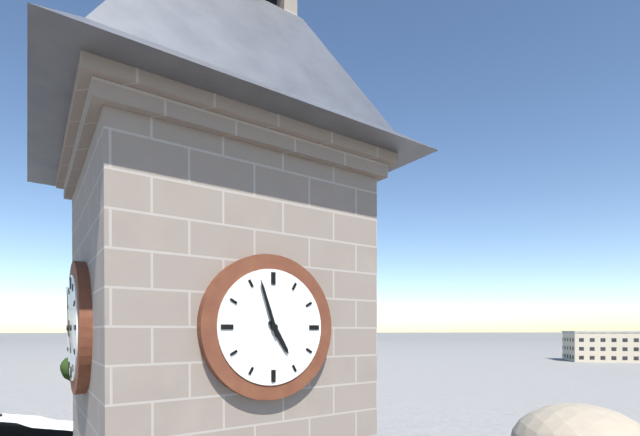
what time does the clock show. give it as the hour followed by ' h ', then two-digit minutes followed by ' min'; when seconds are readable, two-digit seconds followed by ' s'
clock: 4 h 57 min
